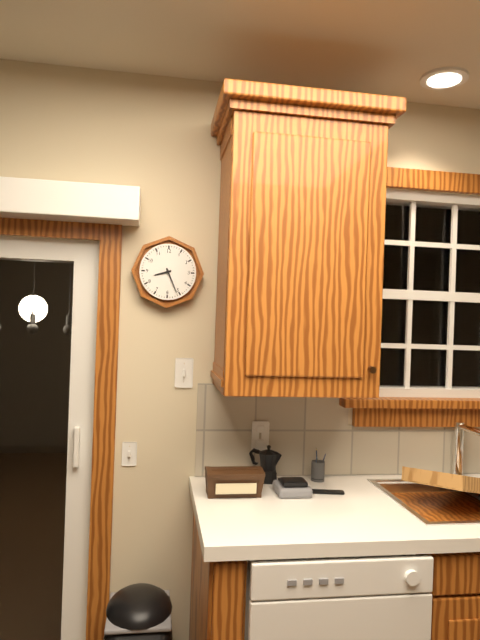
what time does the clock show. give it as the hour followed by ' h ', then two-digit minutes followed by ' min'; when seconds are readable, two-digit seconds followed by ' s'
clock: 8 h 26 min
